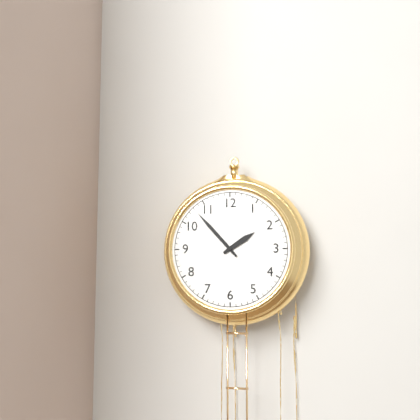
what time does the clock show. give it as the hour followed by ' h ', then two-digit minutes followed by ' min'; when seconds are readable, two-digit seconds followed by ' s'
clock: 1 h 53 min
